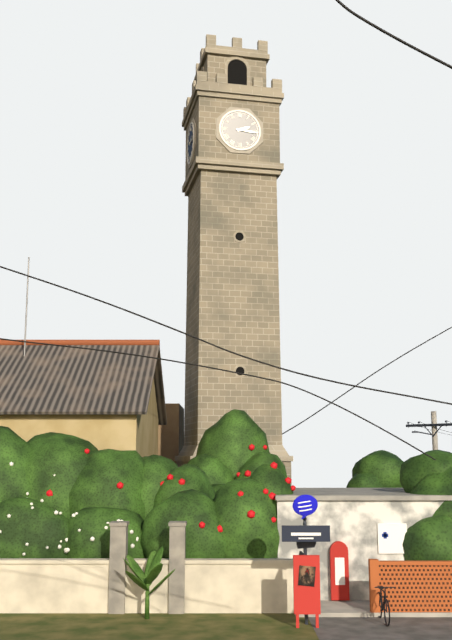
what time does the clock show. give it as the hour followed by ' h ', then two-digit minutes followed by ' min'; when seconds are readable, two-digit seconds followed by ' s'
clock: 2 h 16 min
